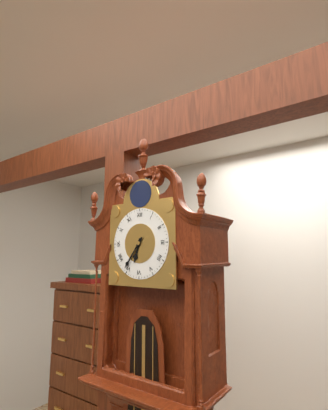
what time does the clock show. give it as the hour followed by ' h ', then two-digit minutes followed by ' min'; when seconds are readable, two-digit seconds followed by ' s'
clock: 6 h 36 min
